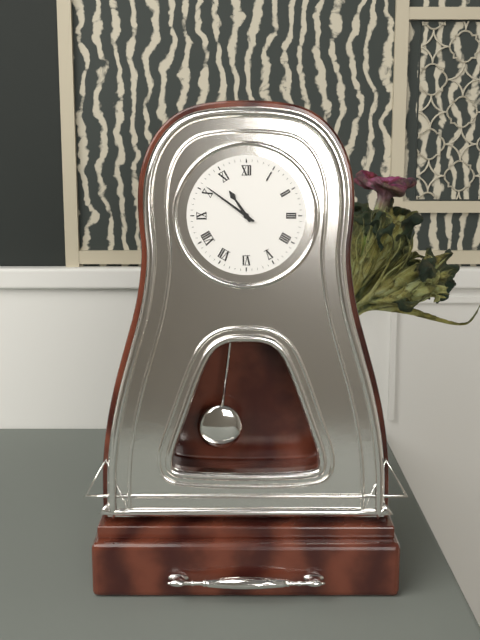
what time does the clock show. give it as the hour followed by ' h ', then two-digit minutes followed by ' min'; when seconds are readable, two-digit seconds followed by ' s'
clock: 10 h 51 min
